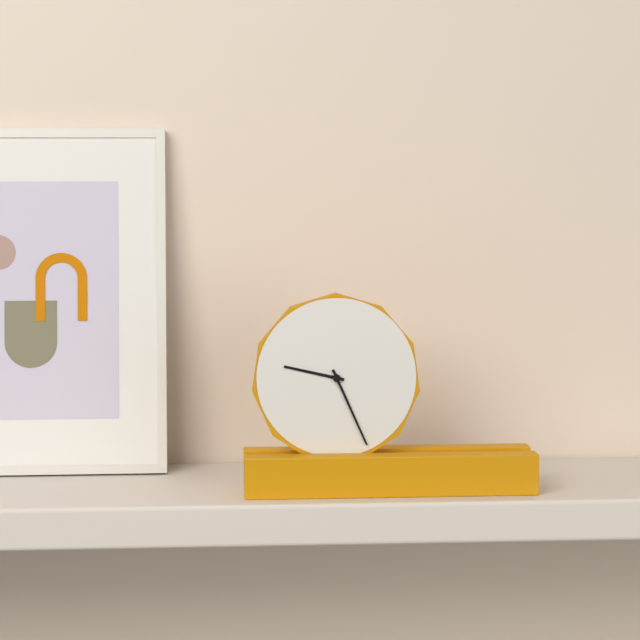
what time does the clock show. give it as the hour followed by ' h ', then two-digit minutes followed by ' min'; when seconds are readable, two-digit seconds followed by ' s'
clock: 9 h 26 min
